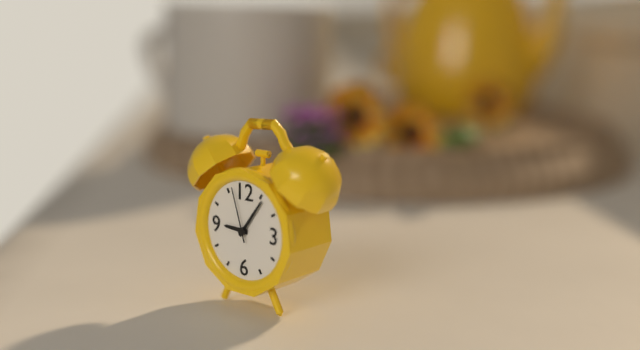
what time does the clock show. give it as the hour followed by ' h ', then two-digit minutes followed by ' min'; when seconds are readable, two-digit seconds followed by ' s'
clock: 9 h 06 min 57 s
